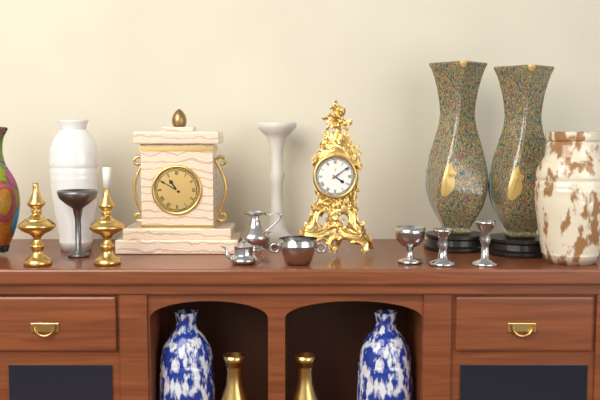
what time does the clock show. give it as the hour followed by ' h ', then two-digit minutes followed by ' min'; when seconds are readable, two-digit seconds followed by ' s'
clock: 4 h 09 min
